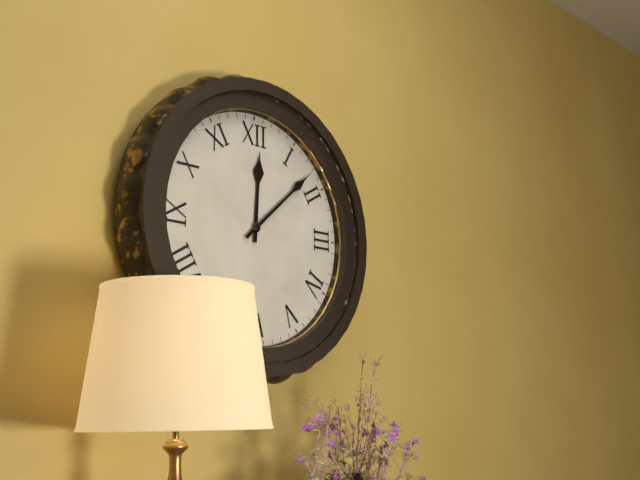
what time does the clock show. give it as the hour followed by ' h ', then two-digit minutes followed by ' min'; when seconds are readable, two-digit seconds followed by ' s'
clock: 12 h 08 min
